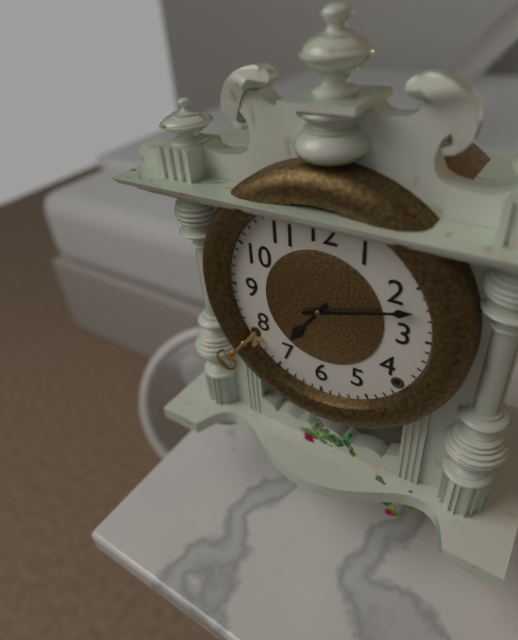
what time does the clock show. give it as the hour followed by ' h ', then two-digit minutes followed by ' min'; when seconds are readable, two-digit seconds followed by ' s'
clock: 7 h 12 min
